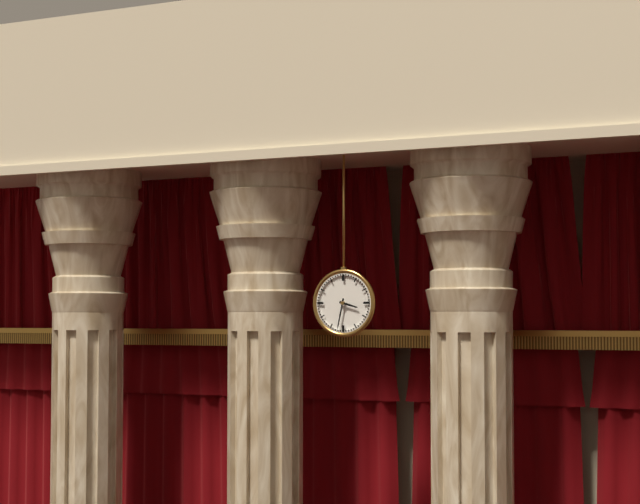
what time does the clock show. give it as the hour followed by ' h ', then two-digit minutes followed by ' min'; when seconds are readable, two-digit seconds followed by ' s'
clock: 3 h 32 min
